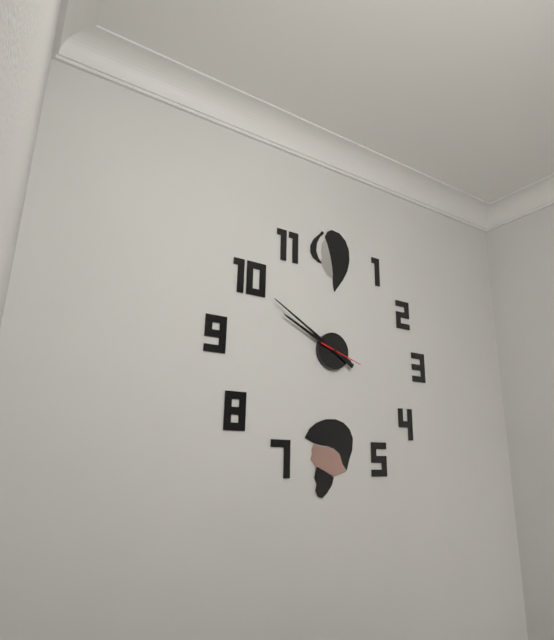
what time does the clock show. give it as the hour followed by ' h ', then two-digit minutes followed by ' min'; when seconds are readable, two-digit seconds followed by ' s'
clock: 9 h 50 min
